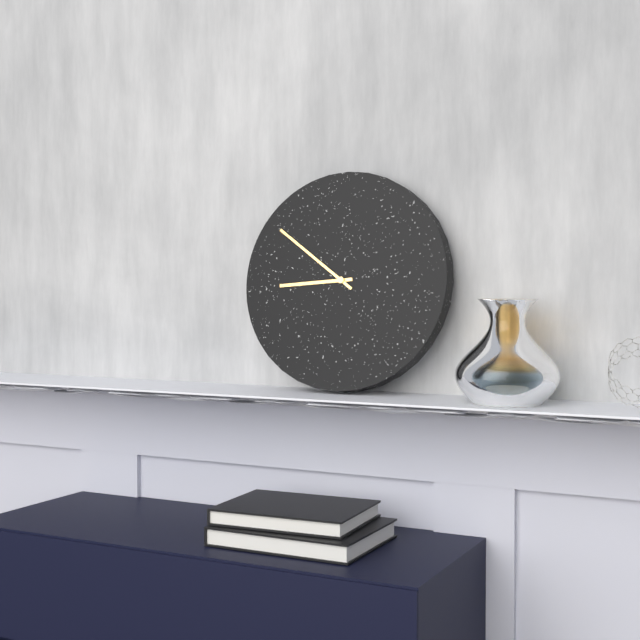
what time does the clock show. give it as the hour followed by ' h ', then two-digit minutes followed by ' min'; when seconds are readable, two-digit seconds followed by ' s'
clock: 8 h 51 min
